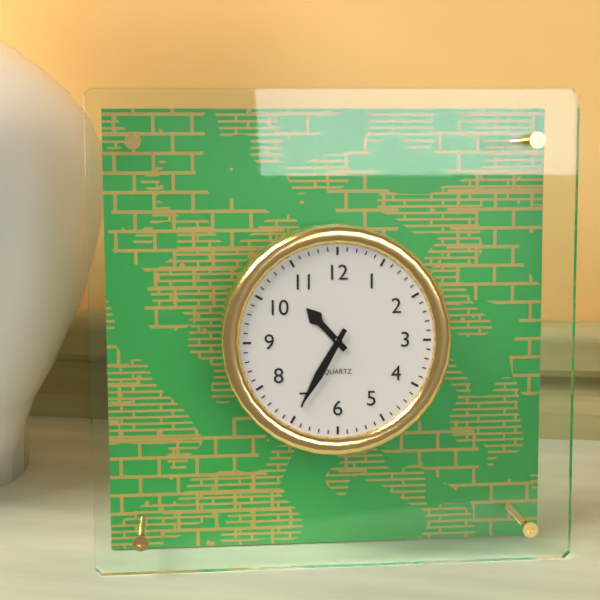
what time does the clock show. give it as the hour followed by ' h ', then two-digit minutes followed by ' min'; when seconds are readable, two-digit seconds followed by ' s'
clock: 10 h 35 min
